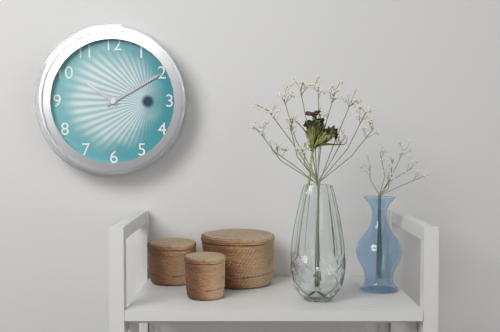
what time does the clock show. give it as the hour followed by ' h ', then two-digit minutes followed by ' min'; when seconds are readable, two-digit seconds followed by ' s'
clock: 10 h 10 min
